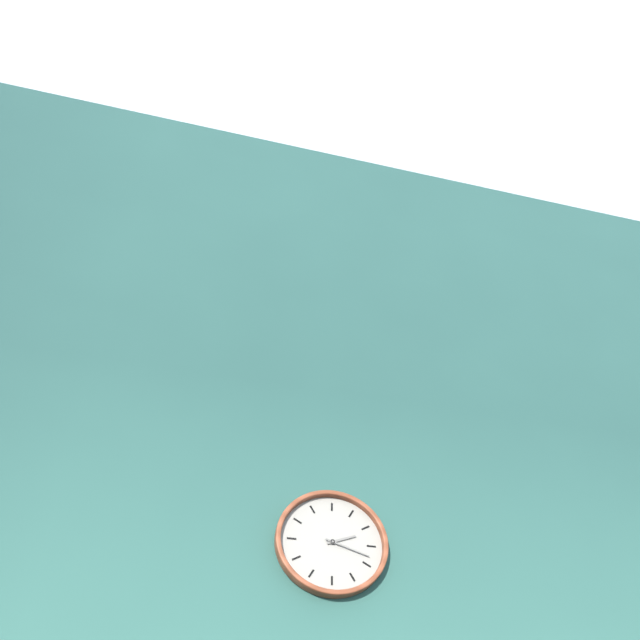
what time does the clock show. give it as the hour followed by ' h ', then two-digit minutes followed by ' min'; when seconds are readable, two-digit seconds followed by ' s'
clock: 2 h 18 min
